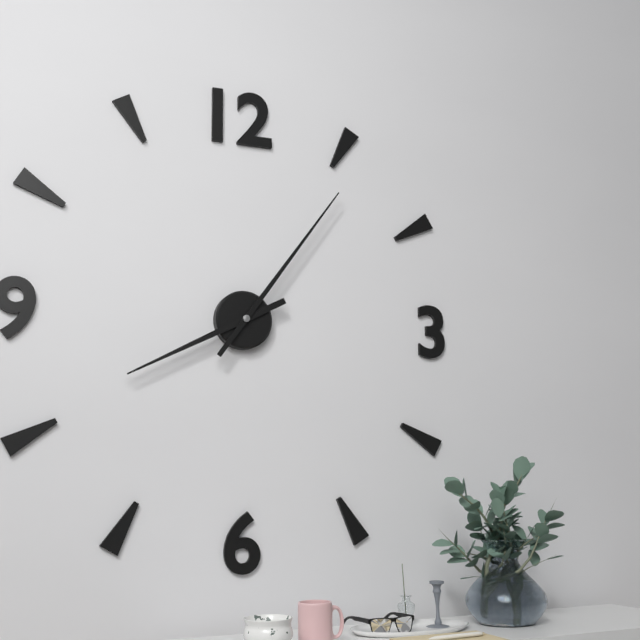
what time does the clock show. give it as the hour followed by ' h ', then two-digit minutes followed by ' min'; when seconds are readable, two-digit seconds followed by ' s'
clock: 8 h 06 min
